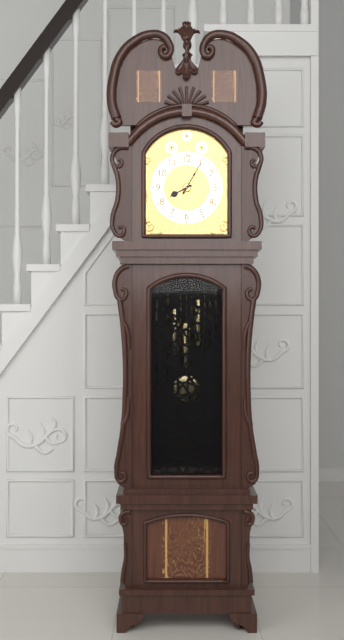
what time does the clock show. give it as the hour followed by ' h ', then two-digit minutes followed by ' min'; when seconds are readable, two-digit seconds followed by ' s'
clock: 8 h 05 min
